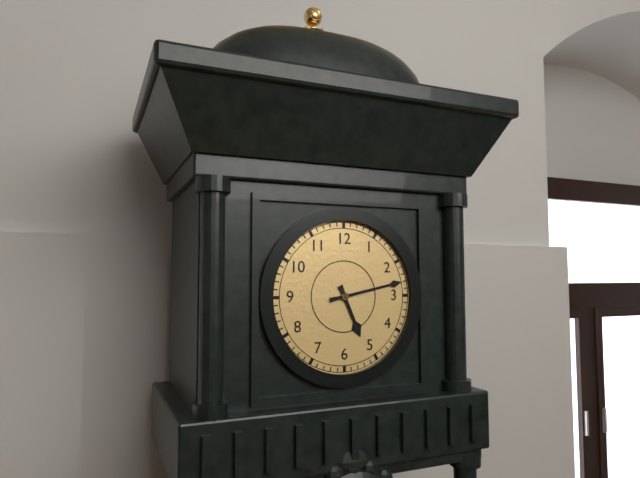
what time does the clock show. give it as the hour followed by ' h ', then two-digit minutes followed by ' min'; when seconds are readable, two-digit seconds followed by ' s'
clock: 5 h 13 min
